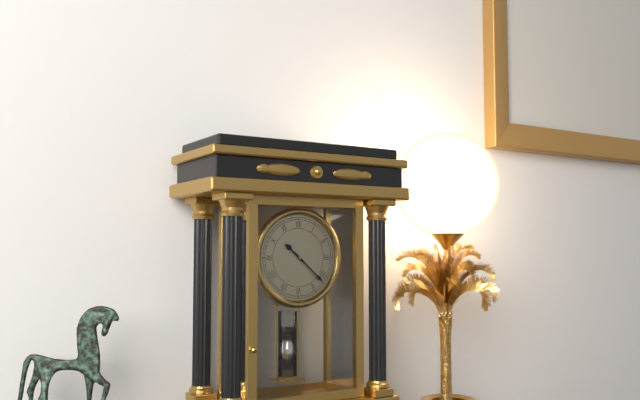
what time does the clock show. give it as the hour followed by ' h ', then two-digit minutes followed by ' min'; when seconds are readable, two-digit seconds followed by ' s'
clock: 10 h 22 min
